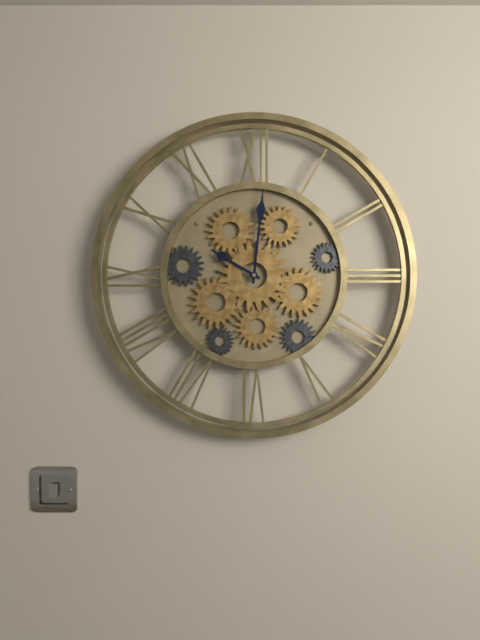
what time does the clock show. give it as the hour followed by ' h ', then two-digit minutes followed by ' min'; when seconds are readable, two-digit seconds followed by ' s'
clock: 10 h 01 min
